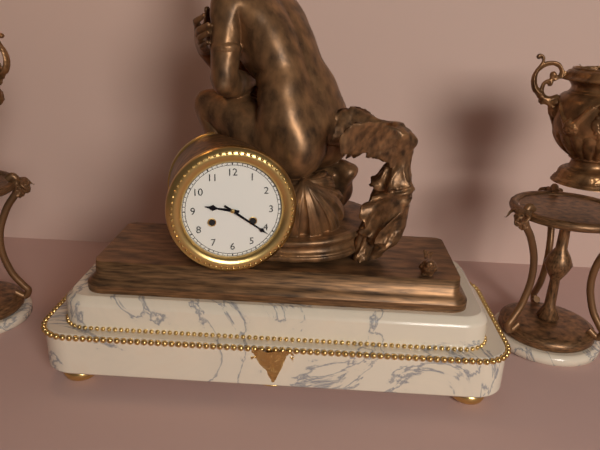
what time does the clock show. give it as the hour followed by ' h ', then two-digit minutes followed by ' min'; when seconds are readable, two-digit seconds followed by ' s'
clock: 9 h 21 min
